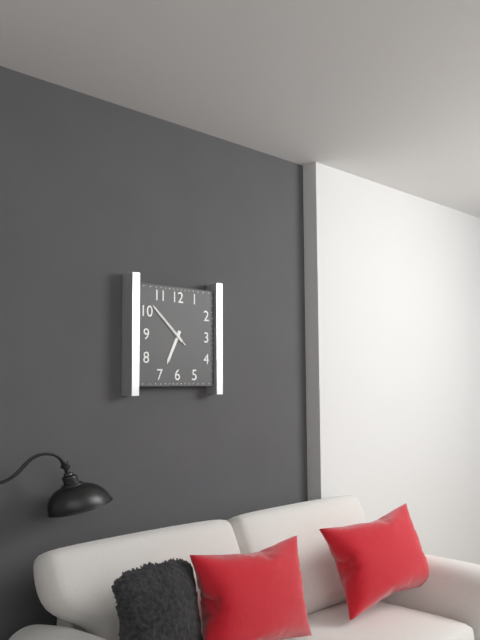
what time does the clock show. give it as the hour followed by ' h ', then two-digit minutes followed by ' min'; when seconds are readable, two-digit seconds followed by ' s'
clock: 6 h 52 min
